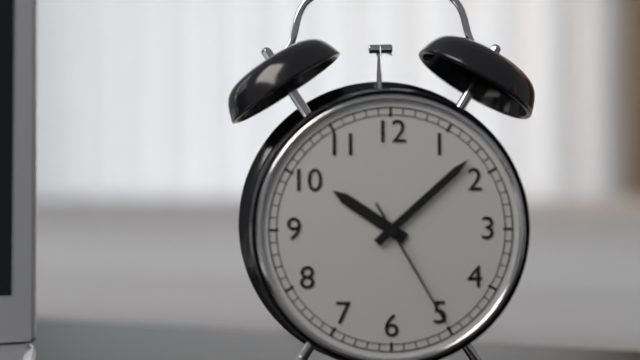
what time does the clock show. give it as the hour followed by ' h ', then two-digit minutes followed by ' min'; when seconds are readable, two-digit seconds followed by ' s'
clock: 10 h 08 min 25 s
